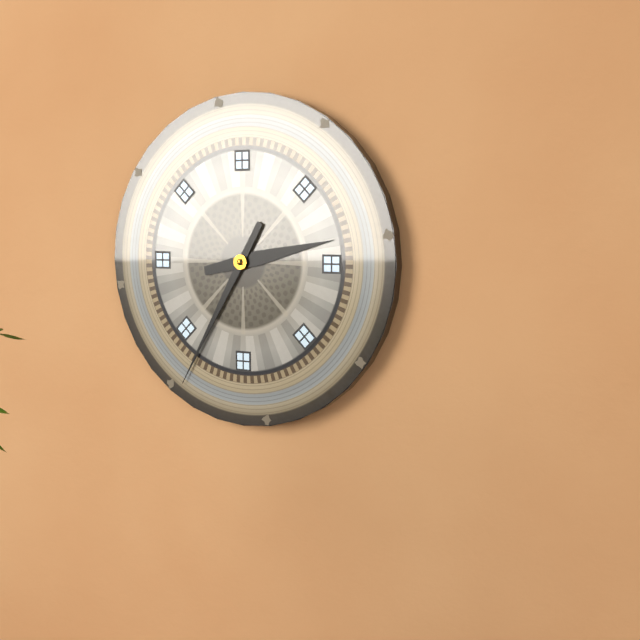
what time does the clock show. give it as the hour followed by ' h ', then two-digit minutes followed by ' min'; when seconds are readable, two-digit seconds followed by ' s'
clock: 2 h 35 min
